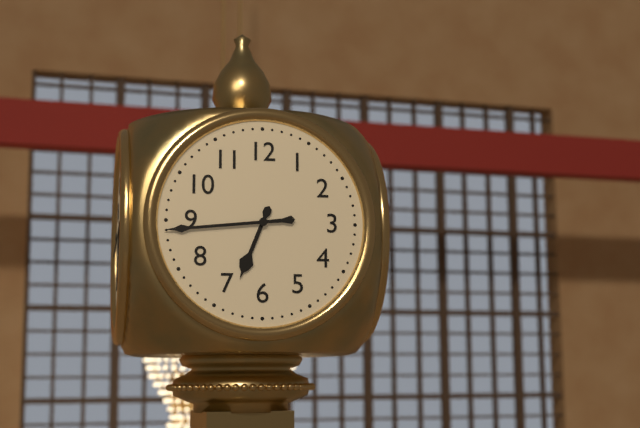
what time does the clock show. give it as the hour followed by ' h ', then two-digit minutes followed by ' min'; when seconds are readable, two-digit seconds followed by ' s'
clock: 6 h 44 min
